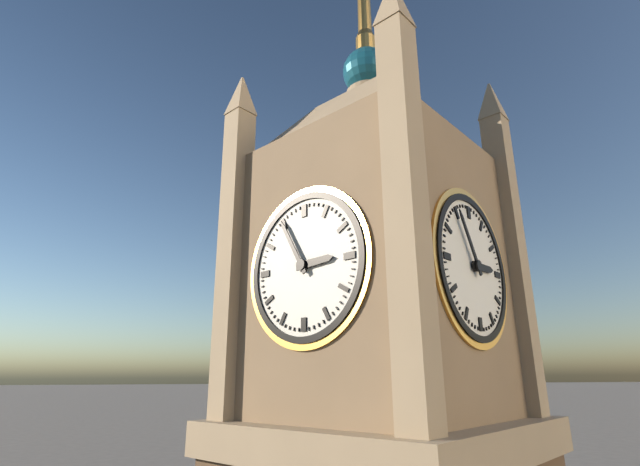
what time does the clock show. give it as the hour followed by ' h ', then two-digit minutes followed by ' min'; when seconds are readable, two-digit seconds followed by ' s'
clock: 2 h 55 min
